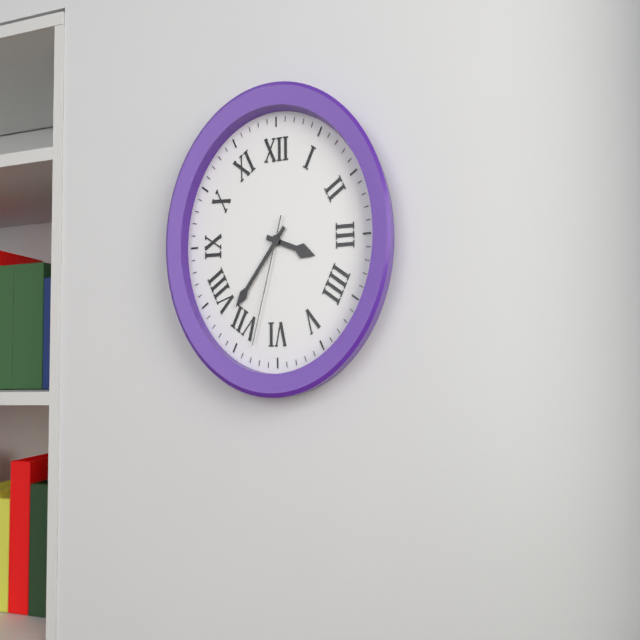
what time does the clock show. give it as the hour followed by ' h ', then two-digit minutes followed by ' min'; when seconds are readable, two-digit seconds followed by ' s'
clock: 3 h 37 min 33 s
